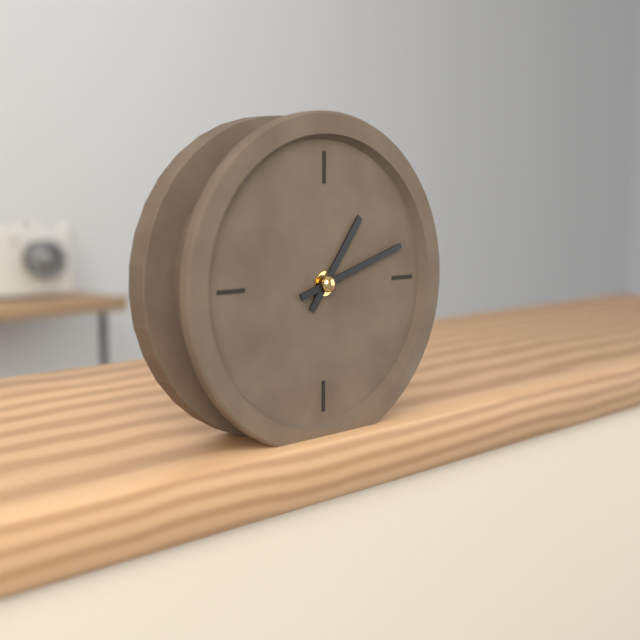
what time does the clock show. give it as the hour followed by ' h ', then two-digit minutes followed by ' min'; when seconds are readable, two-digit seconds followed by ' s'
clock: 1 h 12 min
